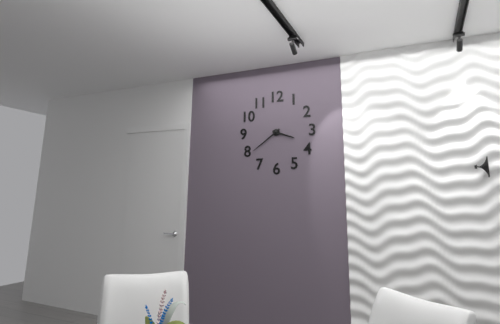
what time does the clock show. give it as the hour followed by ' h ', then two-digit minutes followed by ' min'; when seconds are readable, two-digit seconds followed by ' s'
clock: 3 h 39 min
